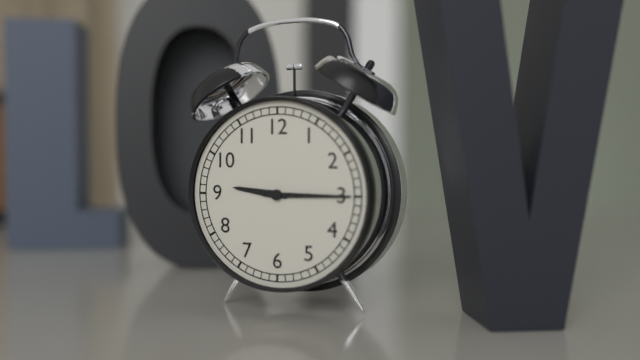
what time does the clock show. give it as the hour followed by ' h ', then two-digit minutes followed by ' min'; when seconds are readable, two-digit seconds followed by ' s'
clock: 9 h 15 min
